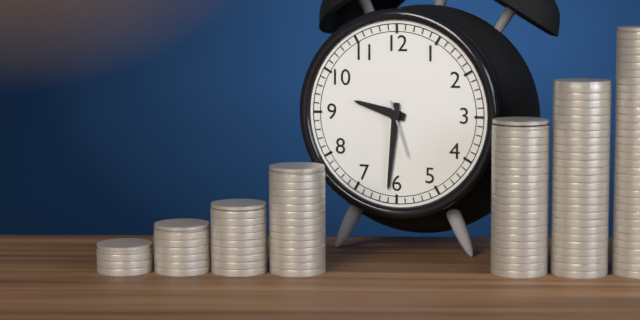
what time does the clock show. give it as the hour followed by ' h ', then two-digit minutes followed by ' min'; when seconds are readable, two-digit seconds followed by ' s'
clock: 9 h 31 min 27 s
